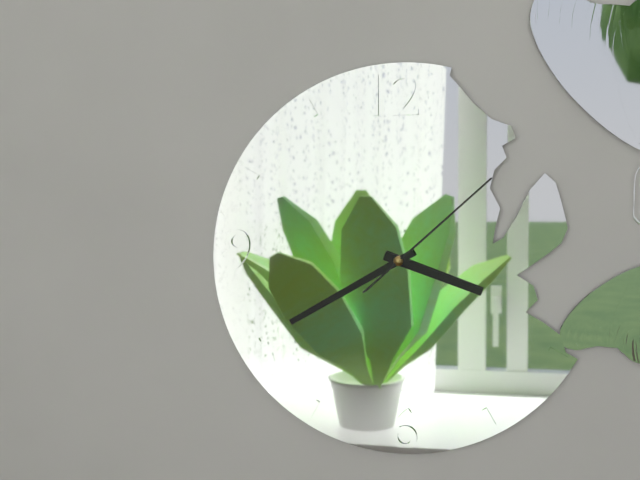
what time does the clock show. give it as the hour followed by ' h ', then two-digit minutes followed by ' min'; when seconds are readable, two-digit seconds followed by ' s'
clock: 3 h 40 min 08 s
